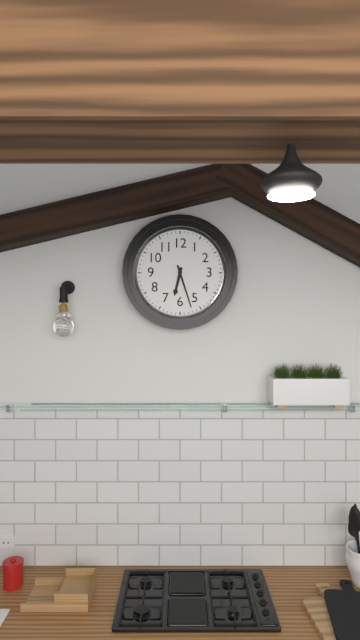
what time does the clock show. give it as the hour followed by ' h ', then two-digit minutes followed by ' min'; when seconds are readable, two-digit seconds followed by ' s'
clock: 6 h 27 min
